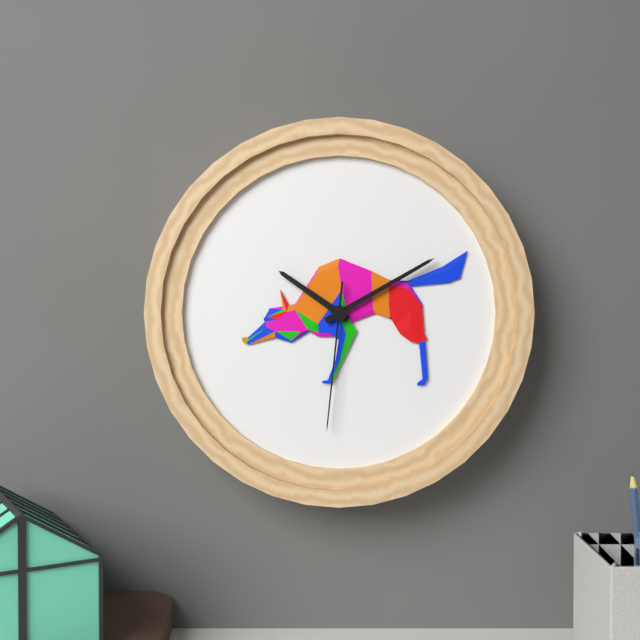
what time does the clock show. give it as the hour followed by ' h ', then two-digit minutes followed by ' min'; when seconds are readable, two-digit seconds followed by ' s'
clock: 10 h 10 min 31 s
